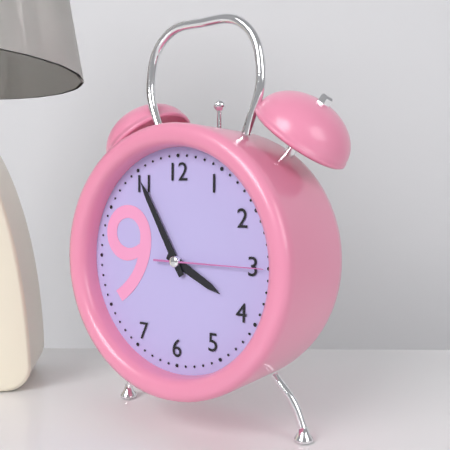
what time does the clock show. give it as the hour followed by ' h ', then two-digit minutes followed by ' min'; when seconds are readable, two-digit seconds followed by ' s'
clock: 3 h 55 min 15 s
